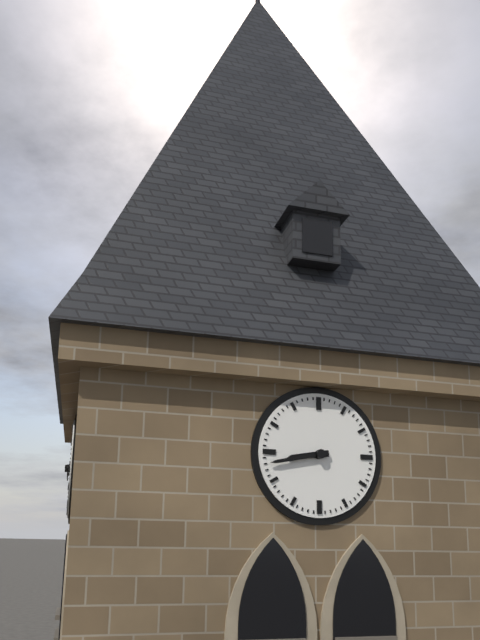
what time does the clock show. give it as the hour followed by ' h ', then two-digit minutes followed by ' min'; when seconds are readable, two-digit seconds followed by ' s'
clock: 8 h 43 min
